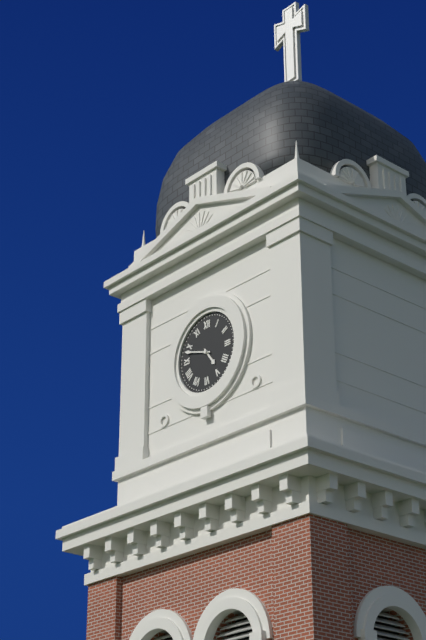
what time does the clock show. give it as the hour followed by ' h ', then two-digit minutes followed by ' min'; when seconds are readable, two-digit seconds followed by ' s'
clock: 4 h 48 min
